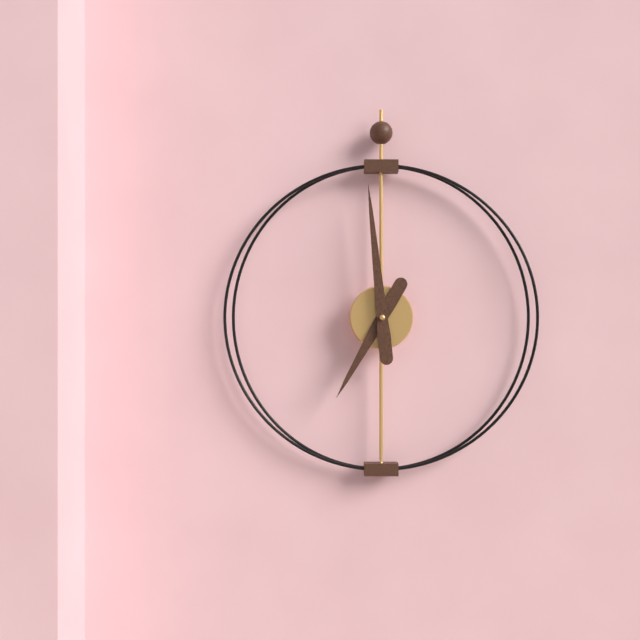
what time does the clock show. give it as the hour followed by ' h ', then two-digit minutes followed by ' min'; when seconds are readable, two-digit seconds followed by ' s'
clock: 6 h 59 min
